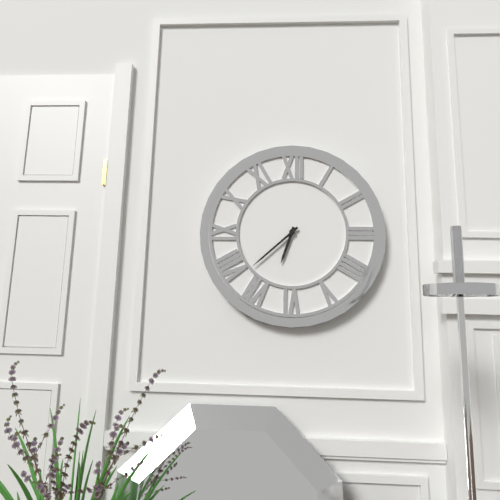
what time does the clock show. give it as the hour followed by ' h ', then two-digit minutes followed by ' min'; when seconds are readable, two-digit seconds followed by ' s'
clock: 6 h 38 min
